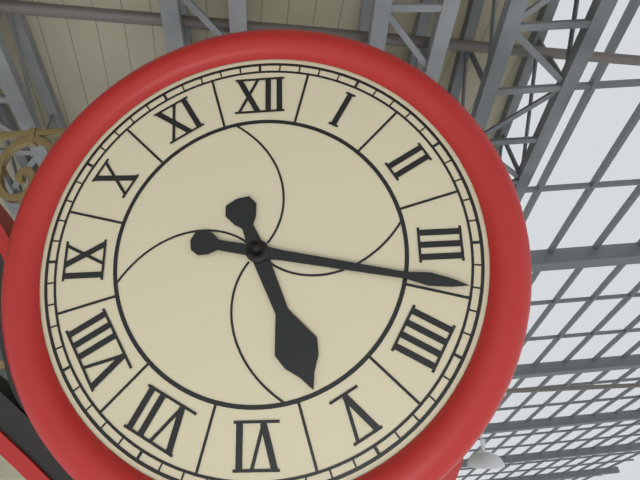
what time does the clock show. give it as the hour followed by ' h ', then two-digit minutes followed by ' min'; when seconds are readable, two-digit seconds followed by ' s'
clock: 5 h 17 min
